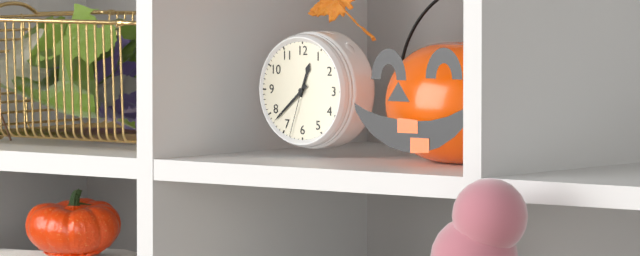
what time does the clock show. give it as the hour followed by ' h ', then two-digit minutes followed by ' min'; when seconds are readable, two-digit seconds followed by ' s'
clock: 12 h 38 min 33 s
